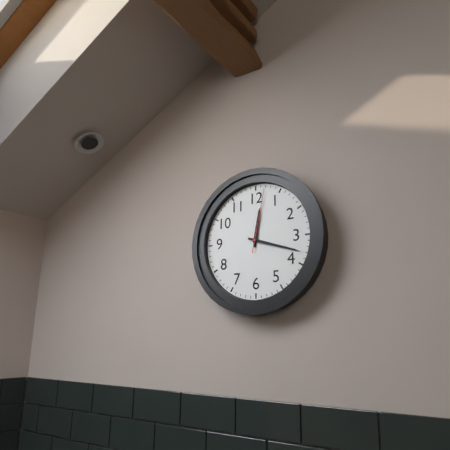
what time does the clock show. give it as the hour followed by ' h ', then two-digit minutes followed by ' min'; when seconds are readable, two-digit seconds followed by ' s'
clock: 12 h 18 min 02 s
